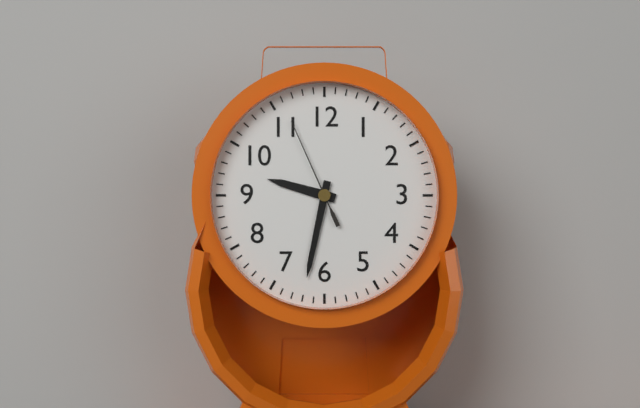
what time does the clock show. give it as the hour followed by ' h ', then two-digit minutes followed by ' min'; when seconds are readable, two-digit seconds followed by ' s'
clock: 9 h 32 min 56 s
